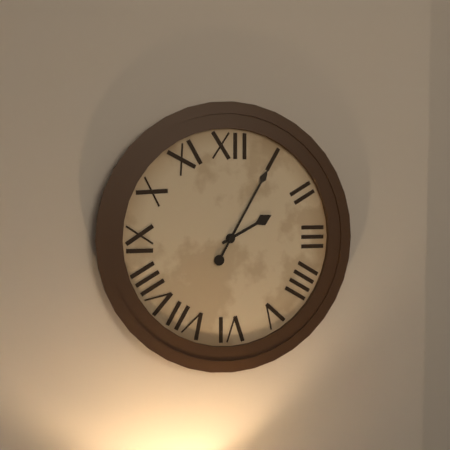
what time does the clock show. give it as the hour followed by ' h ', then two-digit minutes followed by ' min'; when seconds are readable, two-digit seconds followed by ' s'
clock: 2 h 05 min
